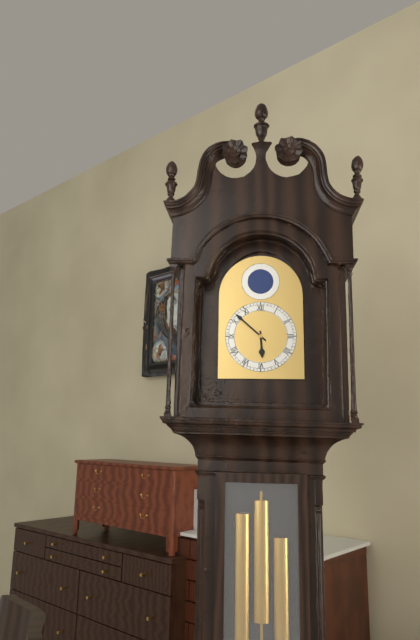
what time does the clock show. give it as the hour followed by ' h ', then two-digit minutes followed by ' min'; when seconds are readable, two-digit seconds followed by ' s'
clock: 5 h 52 min
